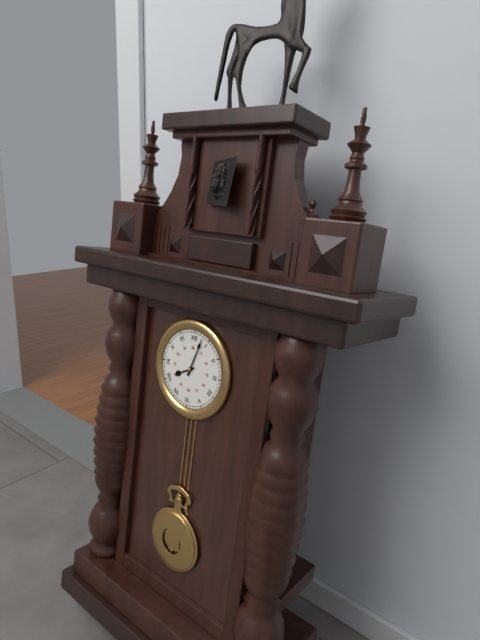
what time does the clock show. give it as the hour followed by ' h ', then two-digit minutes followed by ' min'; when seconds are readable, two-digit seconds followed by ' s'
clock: 8 h 03 min
